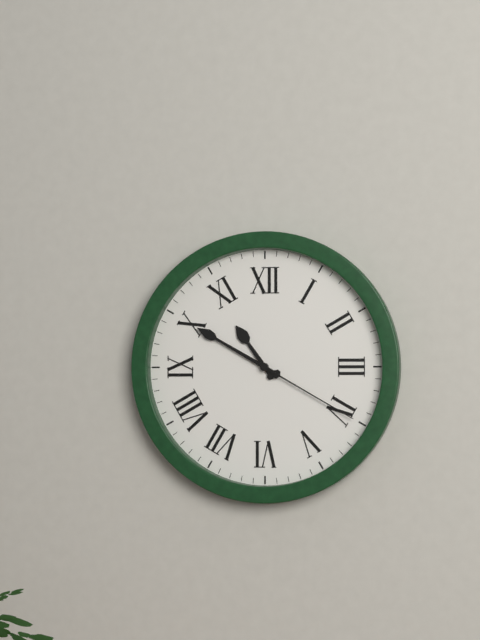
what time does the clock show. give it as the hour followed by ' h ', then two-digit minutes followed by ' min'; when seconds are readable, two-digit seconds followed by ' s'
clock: 10 h 50 min 20 s
